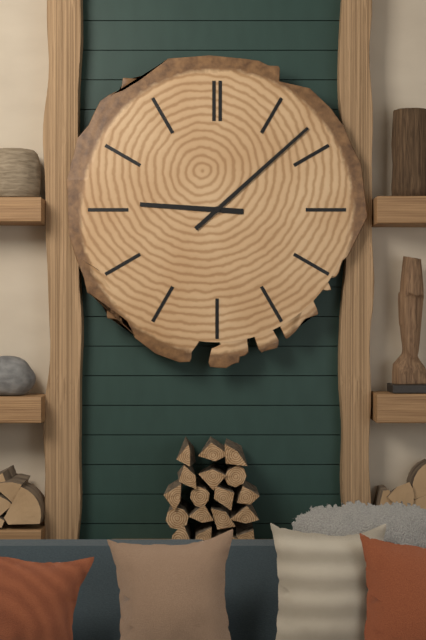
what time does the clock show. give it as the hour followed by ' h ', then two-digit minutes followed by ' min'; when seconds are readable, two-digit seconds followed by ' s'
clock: 9 h 08 min
